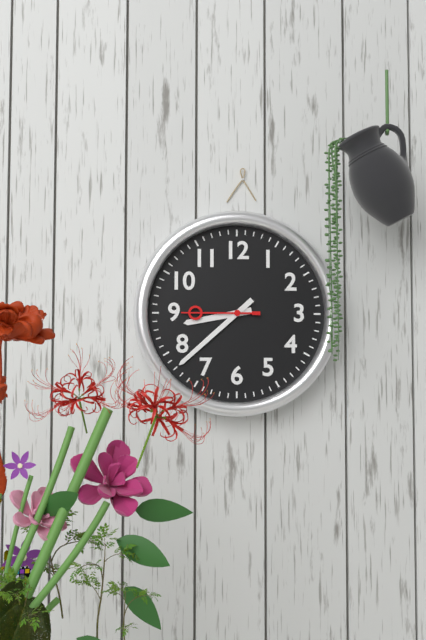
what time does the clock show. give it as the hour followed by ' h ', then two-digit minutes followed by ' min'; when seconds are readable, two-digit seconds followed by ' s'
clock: 8 h 38 min 45 s
